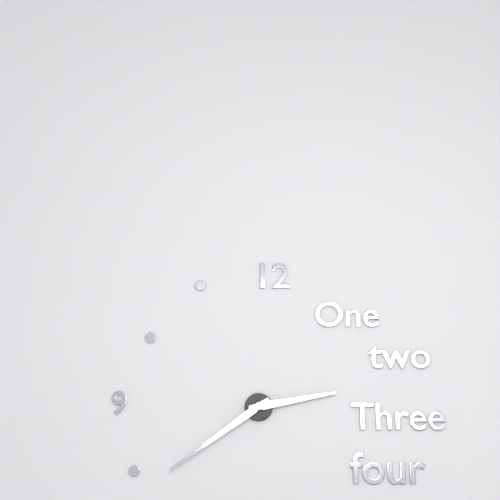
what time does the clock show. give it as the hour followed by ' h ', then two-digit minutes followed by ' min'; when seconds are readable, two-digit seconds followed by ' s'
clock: 2 h 39 min
